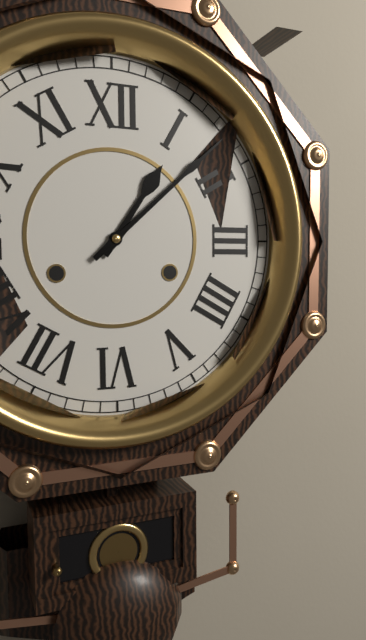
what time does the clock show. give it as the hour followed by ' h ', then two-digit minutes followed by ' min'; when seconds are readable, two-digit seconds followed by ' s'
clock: 1 h 08 min
